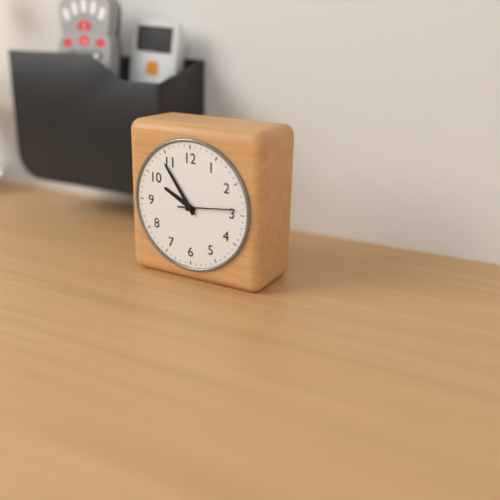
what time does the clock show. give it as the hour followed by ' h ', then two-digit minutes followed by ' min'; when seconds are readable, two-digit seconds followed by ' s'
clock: 9 h 54 min 14 s
